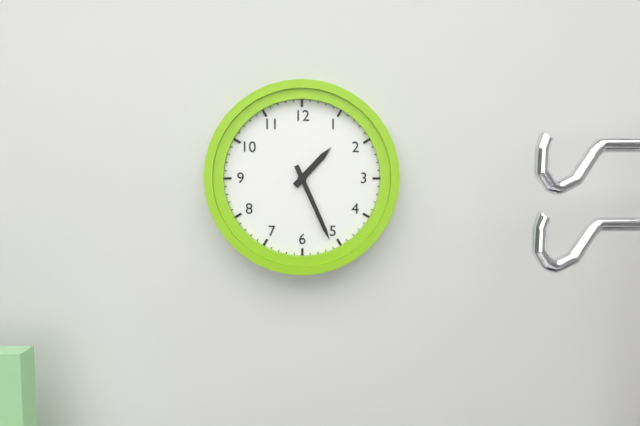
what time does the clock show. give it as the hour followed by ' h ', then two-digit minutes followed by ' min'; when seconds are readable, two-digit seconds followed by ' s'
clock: 1 h 26 min
